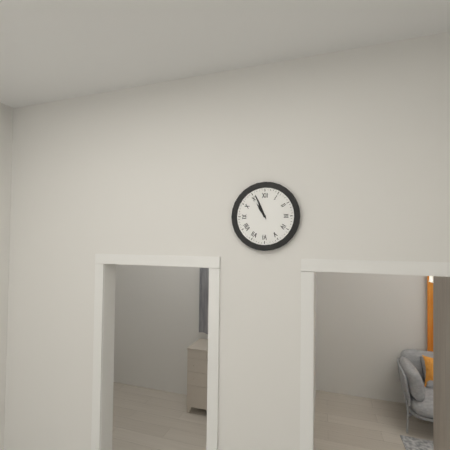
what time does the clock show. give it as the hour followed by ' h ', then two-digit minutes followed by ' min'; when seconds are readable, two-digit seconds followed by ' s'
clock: 10 h 56 min
